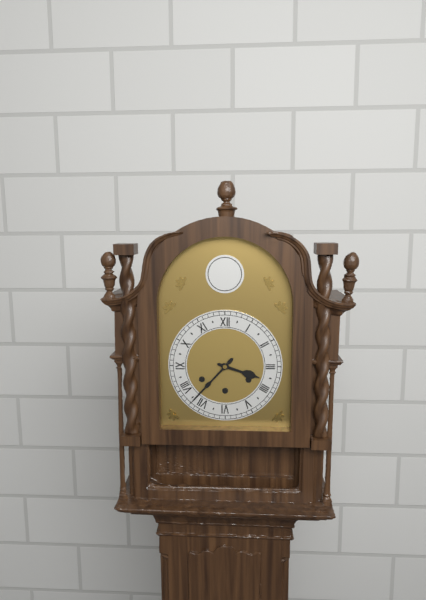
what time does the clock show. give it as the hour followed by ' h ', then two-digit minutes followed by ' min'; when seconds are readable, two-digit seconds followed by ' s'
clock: 3 h 37 min
